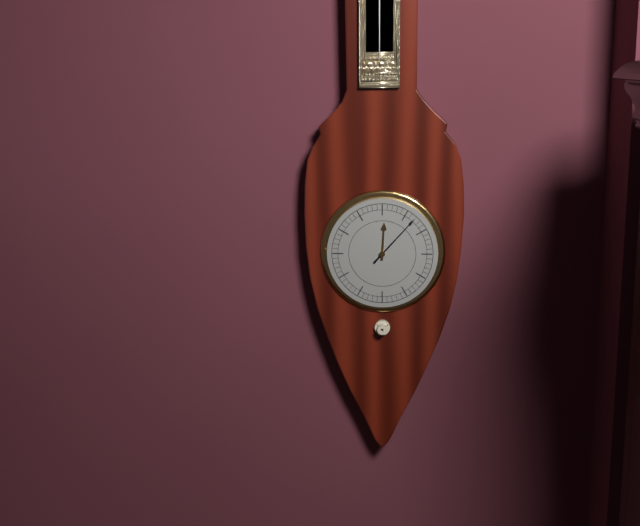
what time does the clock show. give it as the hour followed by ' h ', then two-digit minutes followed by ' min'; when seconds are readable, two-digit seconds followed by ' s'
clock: 12 h 07 min
